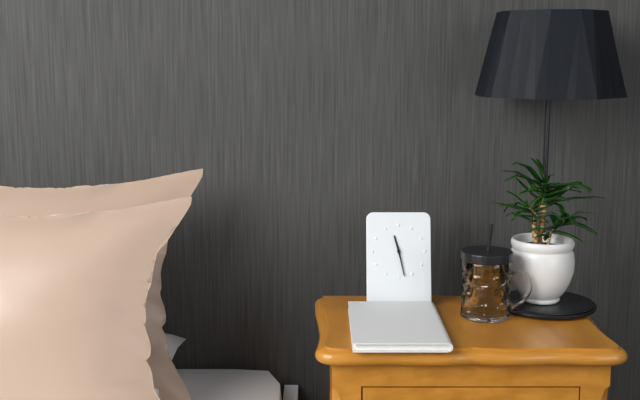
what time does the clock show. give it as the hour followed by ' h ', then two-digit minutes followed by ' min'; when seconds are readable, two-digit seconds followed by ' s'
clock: 11 h 28 min
